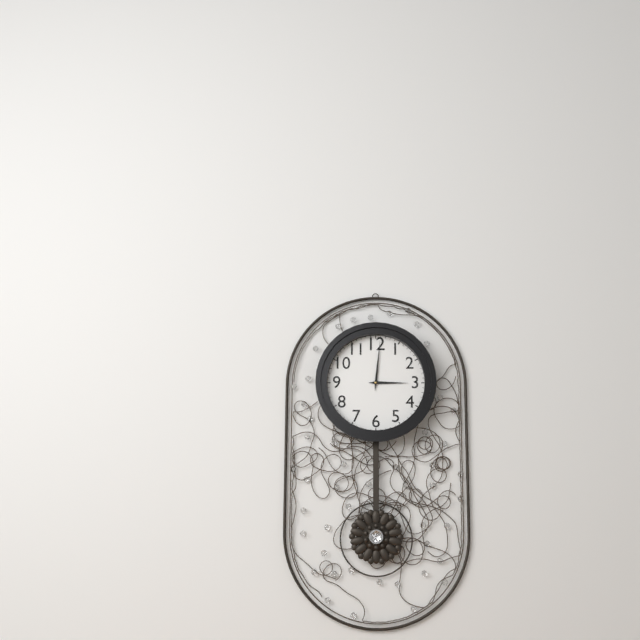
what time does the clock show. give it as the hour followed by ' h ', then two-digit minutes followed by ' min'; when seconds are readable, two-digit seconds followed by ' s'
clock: 3 h 01 min
